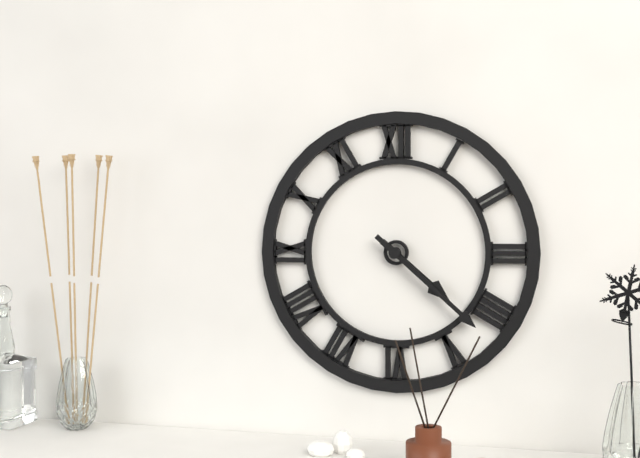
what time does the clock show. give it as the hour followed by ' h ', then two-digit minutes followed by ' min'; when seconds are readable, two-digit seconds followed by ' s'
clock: 4 h 22 min
